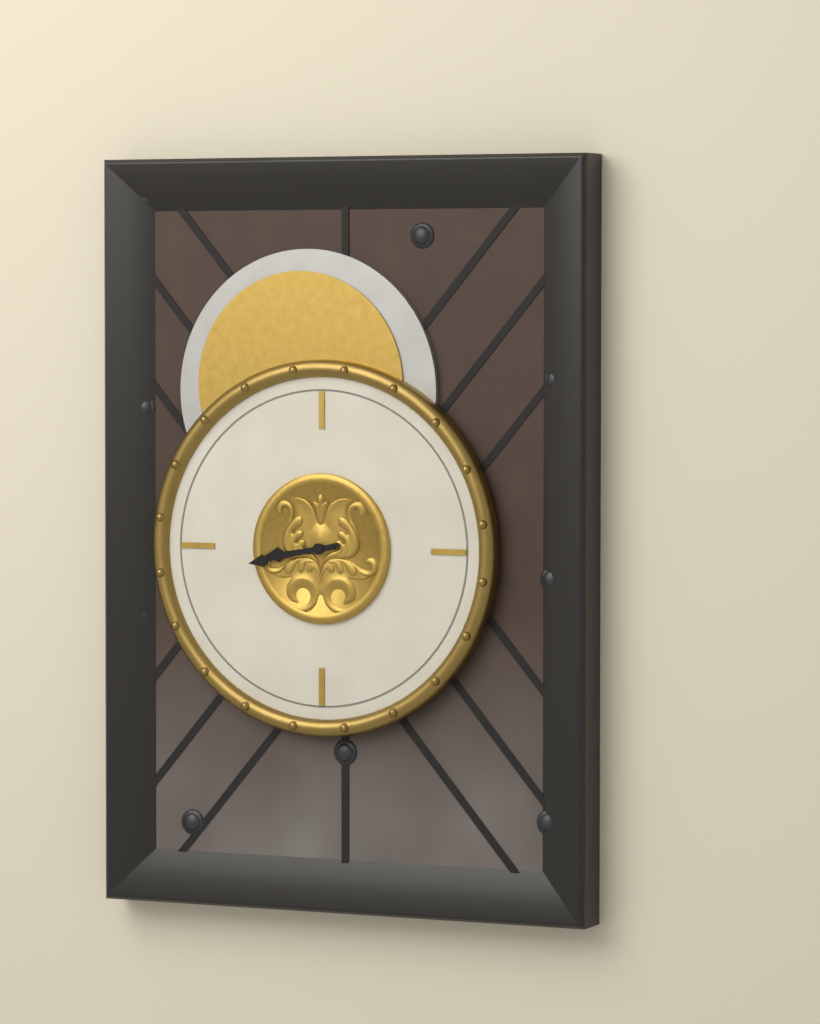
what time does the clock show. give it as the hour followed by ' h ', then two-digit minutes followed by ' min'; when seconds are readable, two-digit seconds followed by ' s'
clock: 8 h 43 min
